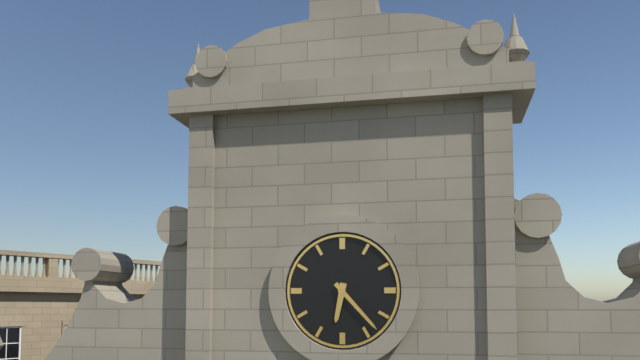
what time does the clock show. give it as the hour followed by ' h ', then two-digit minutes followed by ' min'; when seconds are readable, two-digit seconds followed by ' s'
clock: 6 h 23 min
